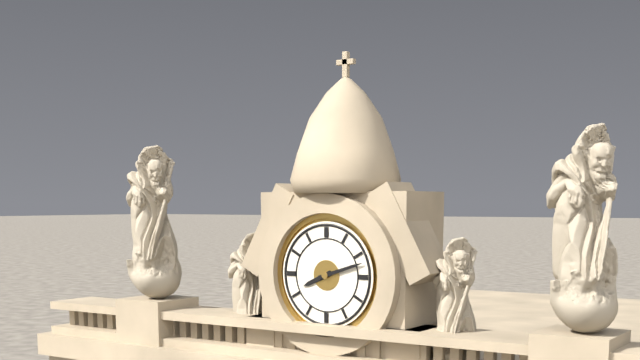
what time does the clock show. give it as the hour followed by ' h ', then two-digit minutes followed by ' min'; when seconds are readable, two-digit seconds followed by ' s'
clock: 8 h 12 min
